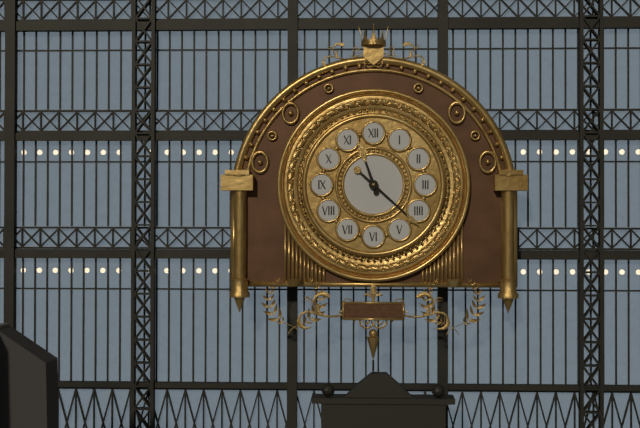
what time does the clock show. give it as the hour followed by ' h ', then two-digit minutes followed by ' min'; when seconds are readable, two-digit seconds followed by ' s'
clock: 11 h 22 min
